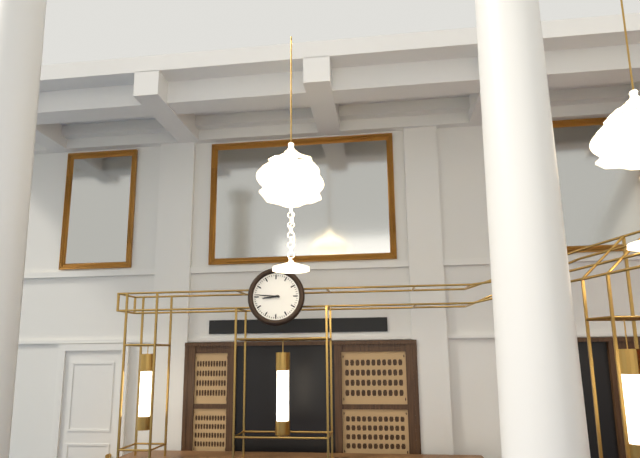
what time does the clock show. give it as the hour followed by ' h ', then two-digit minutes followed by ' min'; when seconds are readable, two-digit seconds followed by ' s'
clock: 8 h 46 min
